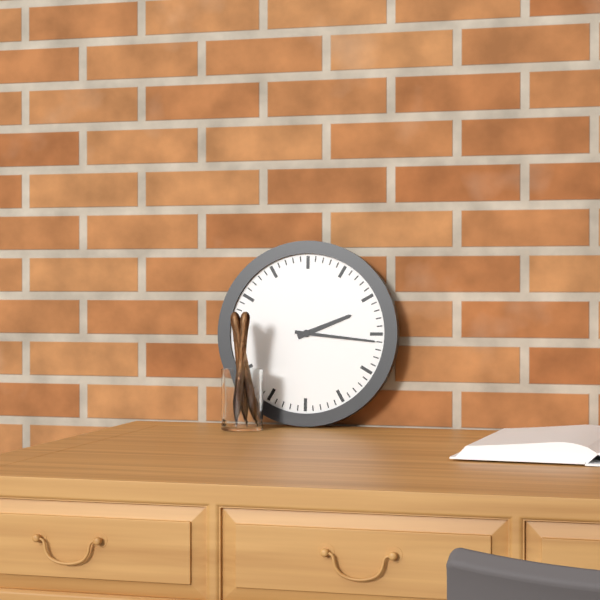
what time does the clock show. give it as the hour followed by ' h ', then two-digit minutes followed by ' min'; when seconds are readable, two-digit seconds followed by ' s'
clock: 2 h 16 min
